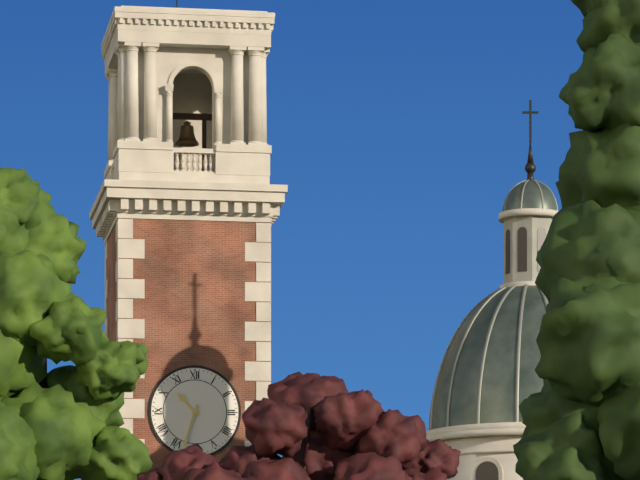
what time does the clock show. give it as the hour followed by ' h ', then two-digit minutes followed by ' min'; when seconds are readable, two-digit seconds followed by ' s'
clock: 10 h 33 min
